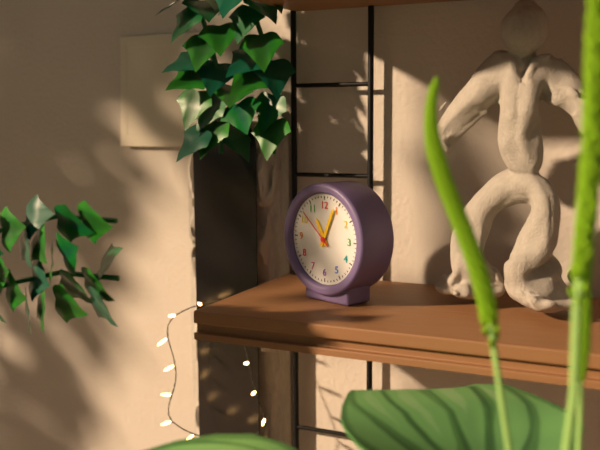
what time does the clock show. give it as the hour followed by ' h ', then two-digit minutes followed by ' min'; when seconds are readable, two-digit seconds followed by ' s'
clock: 11 h 04 min 52 s
